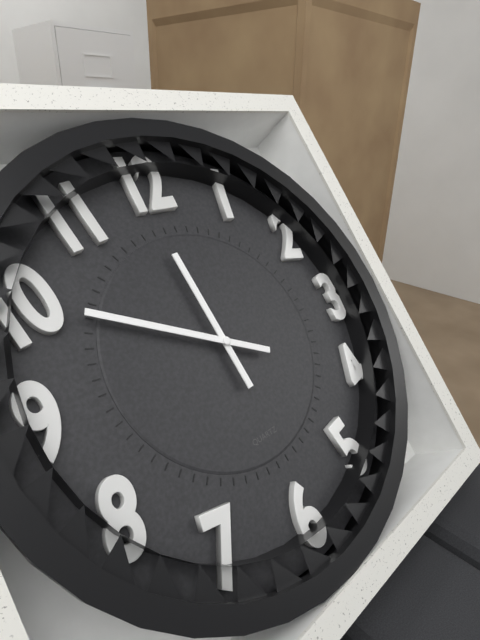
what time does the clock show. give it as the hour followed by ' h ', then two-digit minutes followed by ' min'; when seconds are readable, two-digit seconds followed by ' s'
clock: 11 h 50 min
